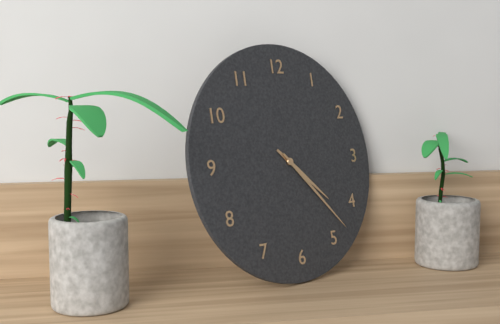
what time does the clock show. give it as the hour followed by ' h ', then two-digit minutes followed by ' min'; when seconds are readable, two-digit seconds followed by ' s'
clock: 4 h 23 min
